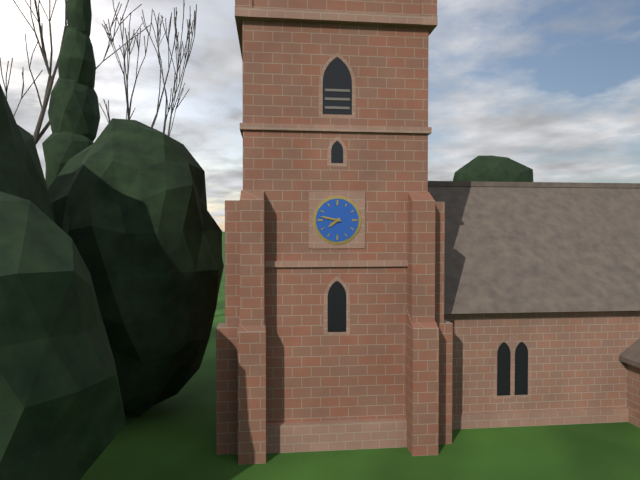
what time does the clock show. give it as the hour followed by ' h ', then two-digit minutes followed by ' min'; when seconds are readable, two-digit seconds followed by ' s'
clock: 7 h 47 min
